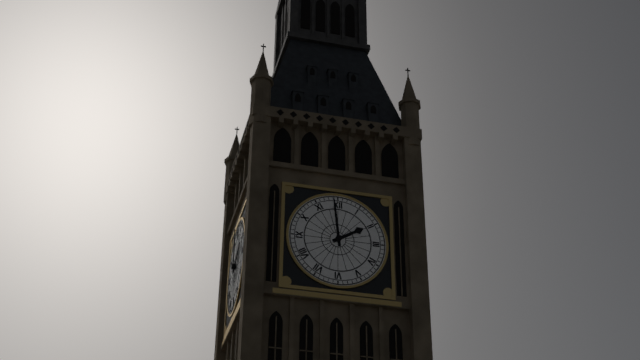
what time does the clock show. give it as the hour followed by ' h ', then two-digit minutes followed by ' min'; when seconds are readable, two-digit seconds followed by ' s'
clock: 1 h 59 min
